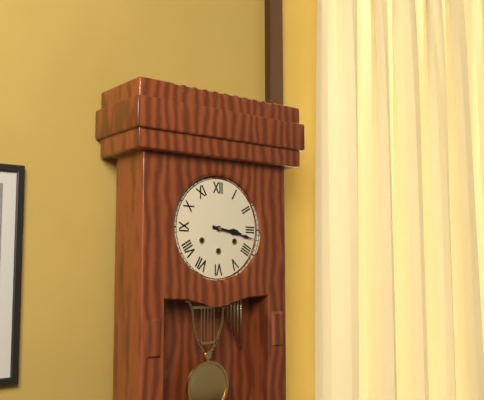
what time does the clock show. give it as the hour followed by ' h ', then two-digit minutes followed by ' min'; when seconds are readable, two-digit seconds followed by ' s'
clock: 3 h 17 min
